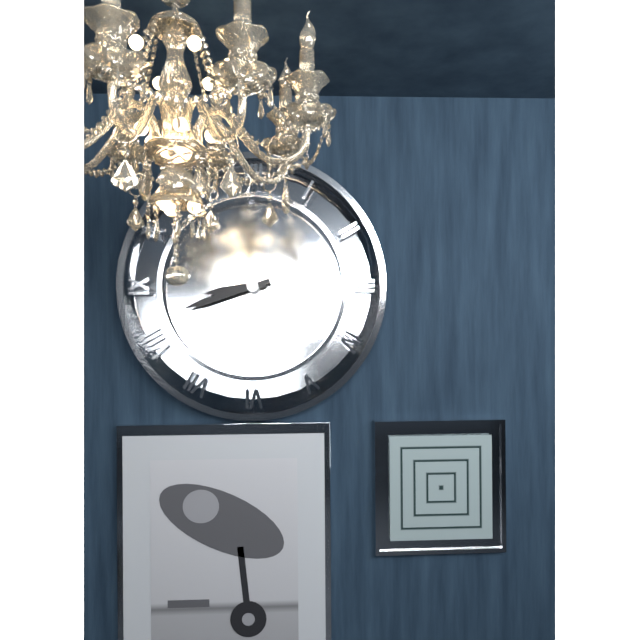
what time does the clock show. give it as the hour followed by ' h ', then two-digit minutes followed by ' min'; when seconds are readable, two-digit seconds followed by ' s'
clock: 8 h 42 min
